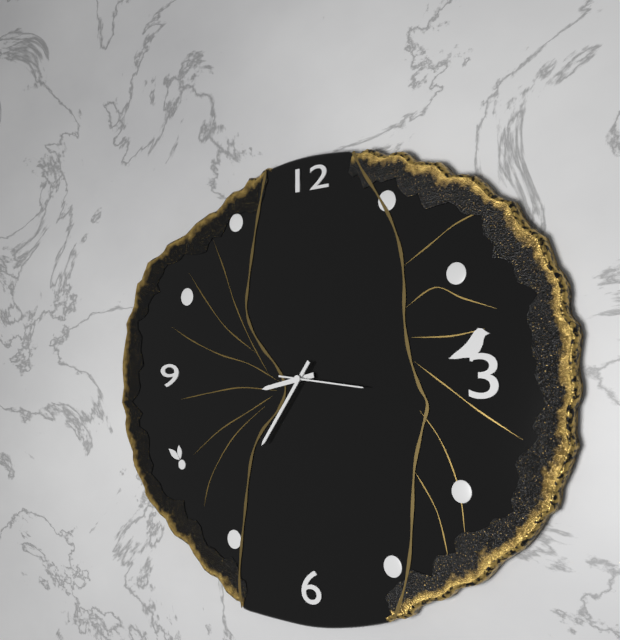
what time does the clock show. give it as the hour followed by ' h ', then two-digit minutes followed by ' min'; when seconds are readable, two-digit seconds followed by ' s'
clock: 8 h 36 min 16 s
